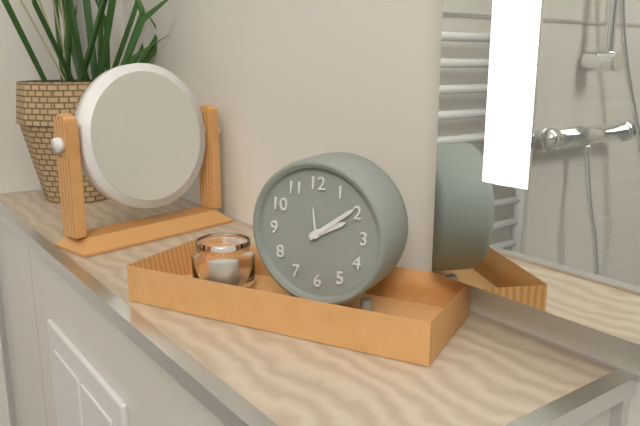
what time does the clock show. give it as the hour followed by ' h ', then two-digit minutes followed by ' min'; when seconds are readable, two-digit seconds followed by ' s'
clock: 2 h 09 min
